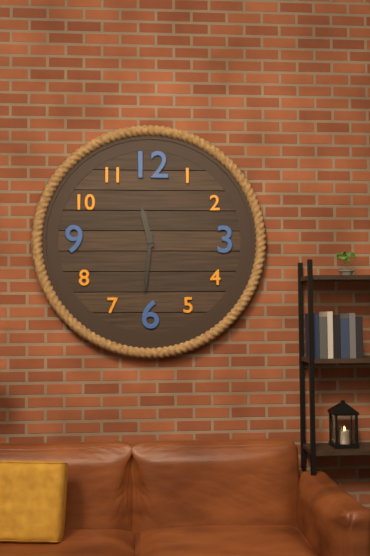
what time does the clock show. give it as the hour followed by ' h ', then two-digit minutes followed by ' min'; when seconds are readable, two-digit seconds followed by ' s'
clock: 11 h 31 min
